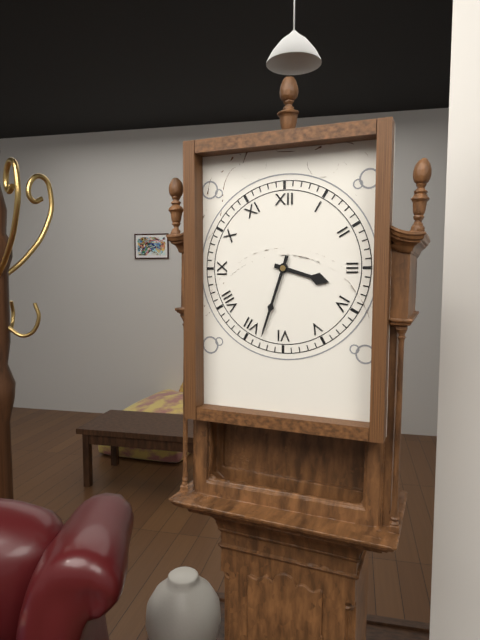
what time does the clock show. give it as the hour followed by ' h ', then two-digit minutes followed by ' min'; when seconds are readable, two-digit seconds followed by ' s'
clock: 3 h 33 min
